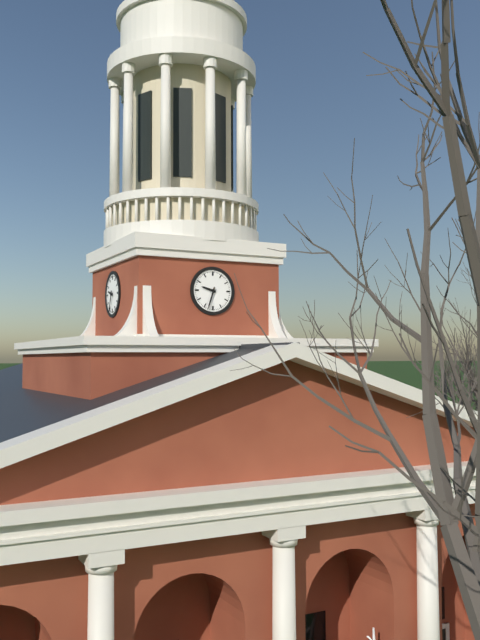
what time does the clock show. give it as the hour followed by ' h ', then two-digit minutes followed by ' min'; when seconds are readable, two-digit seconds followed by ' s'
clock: 9 h 33 min
